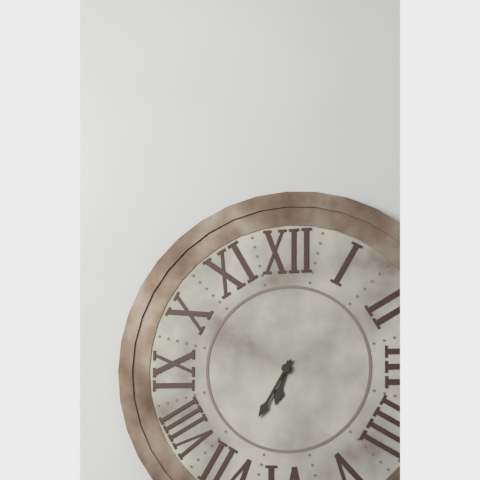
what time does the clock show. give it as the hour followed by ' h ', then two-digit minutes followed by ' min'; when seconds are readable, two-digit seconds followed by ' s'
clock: 6 h 35 min
